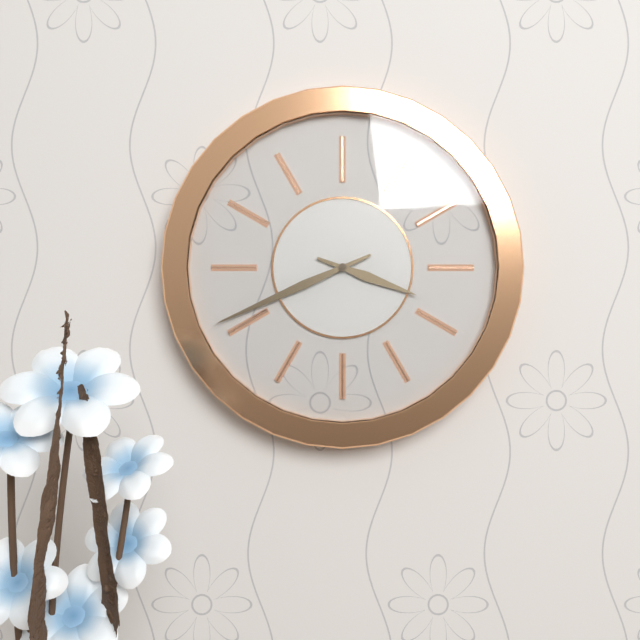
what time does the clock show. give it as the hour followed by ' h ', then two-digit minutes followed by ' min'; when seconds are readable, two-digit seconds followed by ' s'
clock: 3 h 41 min
